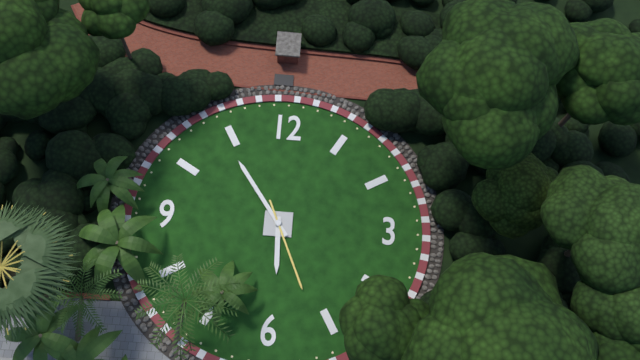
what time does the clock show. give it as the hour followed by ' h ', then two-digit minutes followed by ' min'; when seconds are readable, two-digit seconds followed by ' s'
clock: 5 h 54 min 26 s
